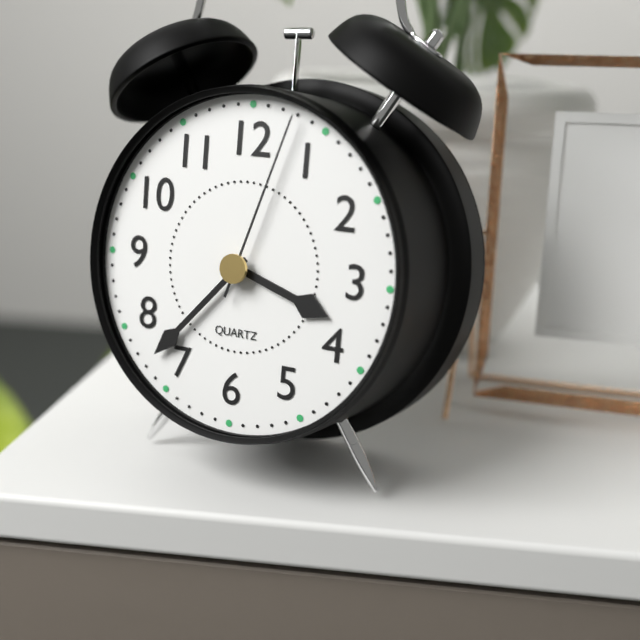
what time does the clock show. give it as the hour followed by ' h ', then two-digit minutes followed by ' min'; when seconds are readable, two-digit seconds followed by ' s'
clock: 3 h 37 min 03 s
